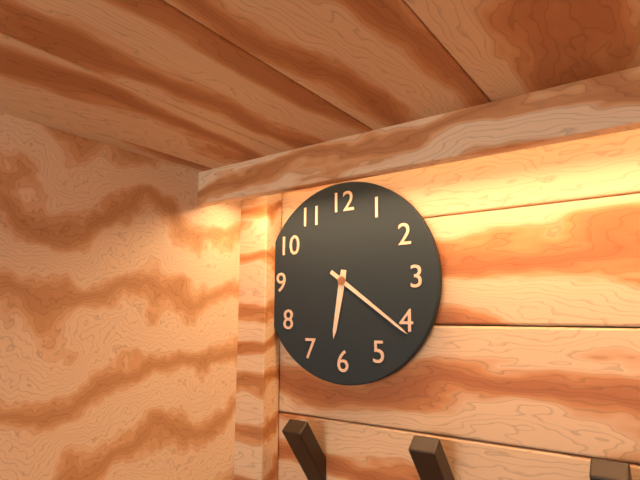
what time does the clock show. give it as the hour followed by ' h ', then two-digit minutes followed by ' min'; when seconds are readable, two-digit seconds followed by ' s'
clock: 6 h 21 min
